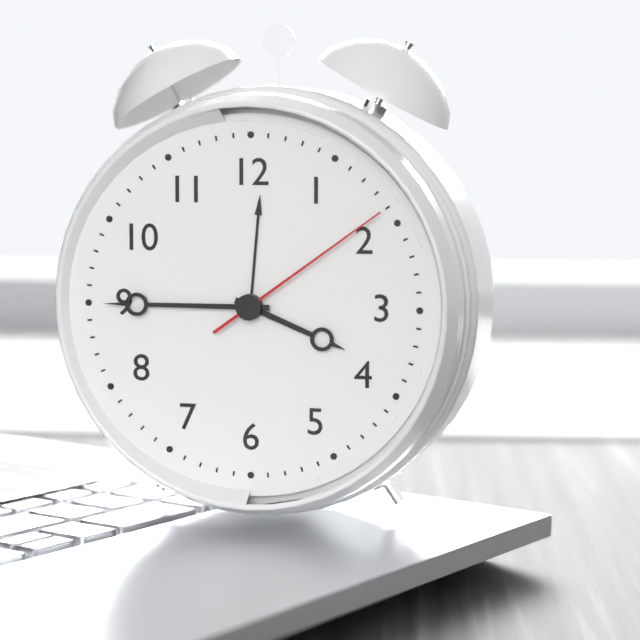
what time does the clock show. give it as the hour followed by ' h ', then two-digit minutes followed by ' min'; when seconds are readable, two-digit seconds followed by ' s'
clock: 3 h 45 min 09 s
